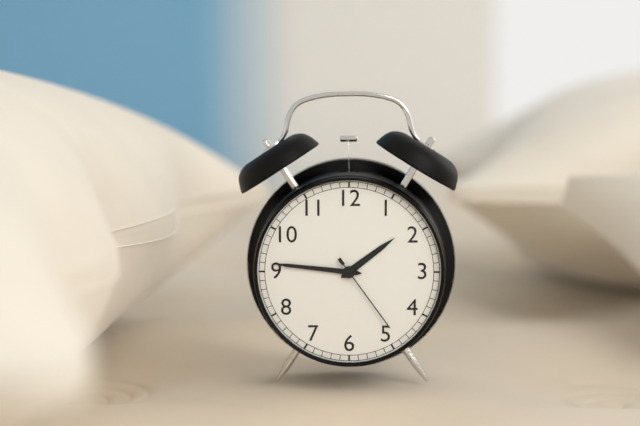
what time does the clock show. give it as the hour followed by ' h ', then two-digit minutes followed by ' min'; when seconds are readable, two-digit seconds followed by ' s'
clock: 1 h 46 min 24 s
